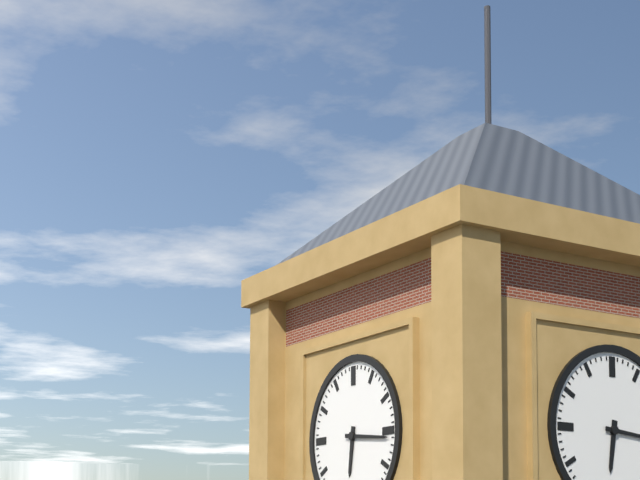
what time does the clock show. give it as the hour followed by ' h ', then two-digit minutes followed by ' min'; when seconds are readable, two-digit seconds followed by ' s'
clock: 6 h 16 min
